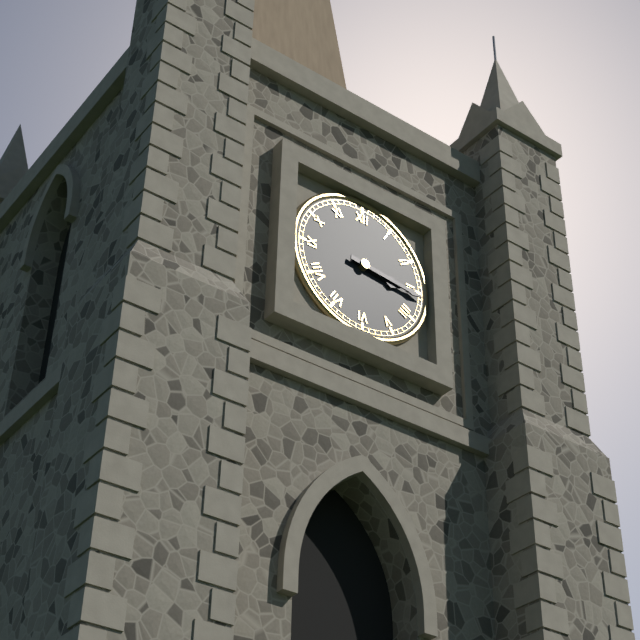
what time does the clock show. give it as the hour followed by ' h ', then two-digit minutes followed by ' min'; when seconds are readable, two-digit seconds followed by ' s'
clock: 3 h 16 min
